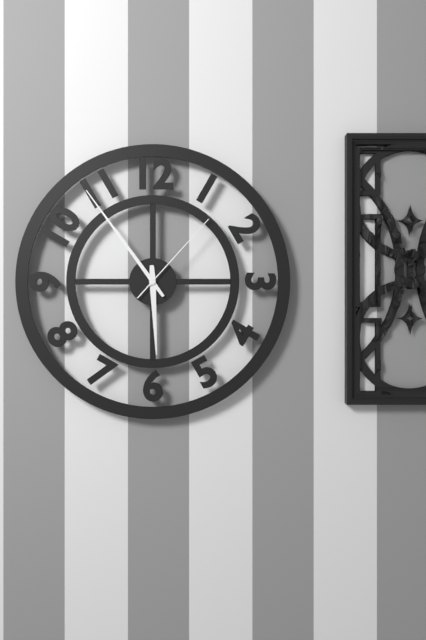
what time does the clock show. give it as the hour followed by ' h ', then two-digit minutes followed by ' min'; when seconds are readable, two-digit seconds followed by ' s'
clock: 5 h 54 min 07 s
